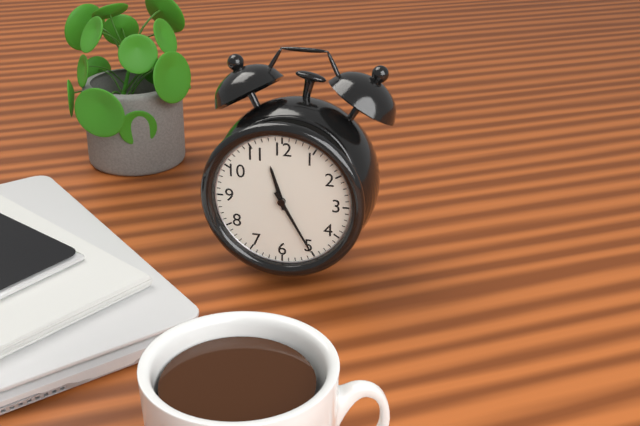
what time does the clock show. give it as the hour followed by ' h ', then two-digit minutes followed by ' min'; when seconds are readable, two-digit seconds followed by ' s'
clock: 11 h 25 min
